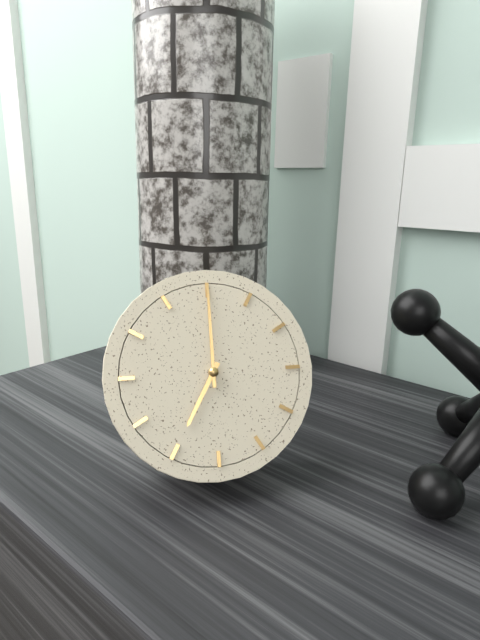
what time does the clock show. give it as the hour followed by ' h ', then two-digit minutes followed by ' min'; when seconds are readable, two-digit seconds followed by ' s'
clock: 7 h 00 min
